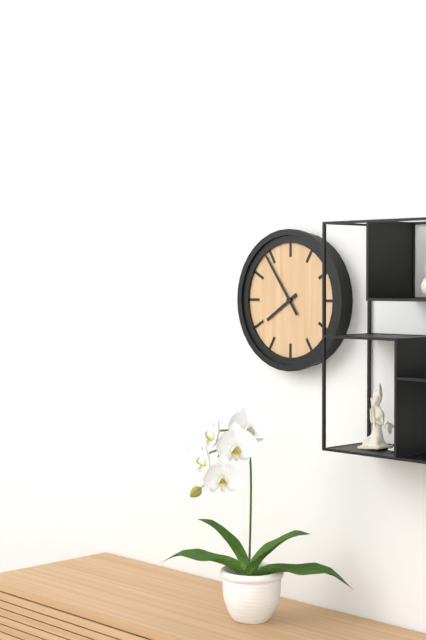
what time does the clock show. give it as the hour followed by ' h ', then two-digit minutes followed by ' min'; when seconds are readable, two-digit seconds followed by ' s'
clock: 7 h 54 min
